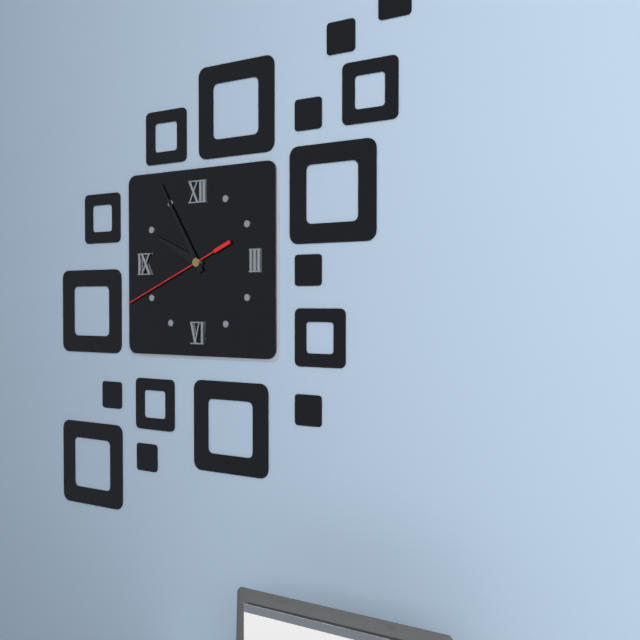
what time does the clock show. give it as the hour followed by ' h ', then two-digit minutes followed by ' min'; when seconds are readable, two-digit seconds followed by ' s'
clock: 9 h 55 min 41 s
